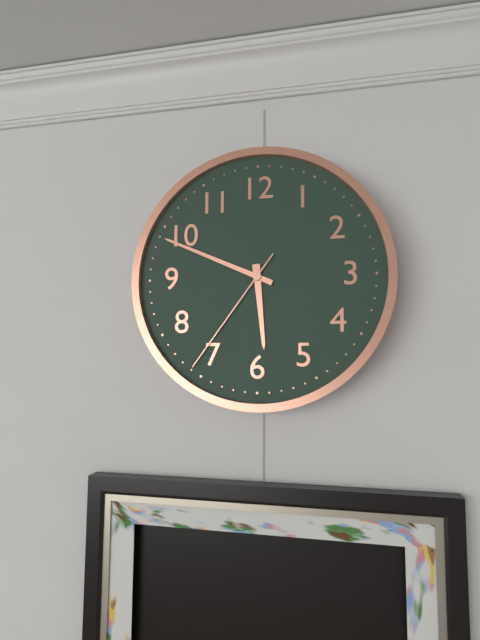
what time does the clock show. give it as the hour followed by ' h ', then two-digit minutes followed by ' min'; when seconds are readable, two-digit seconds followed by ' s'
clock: 5 h 49 min 36 s
